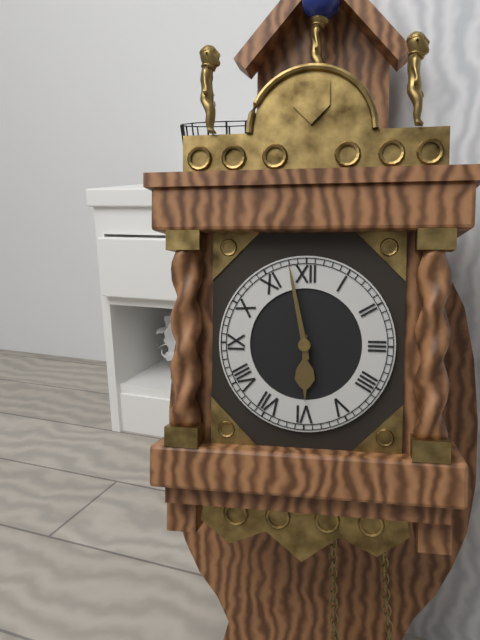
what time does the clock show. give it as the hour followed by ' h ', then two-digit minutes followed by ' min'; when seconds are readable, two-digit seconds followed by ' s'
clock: 5 h 58 min
